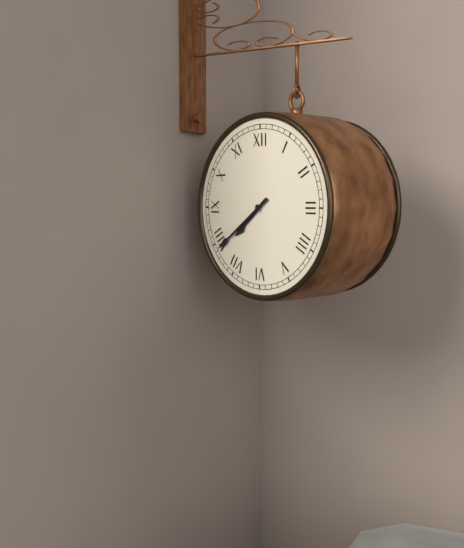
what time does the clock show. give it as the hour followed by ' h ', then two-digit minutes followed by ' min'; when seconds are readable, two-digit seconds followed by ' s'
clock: 7 h 39 min
